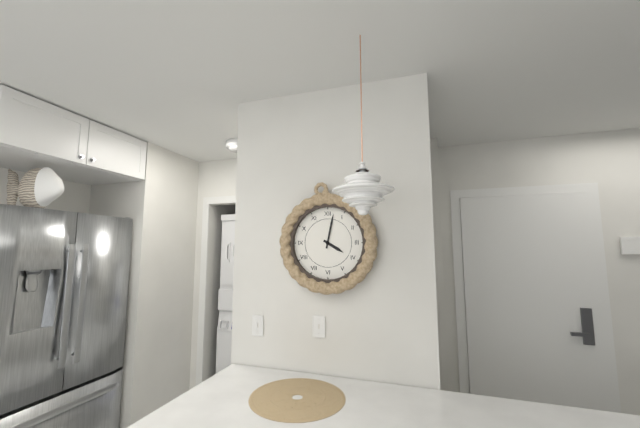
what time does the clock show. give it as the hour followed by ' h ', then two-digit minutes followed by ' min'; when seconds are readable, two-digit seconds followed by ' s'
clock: 4 h 02 min
